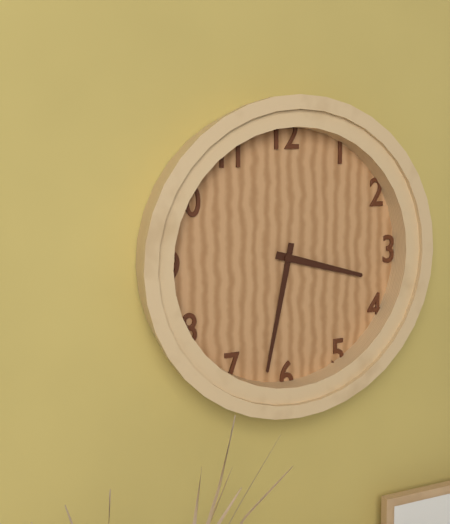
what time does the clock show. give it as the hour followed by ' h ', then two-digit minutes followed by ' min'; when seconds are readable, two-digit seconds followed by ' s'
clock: 3 h 32 min
